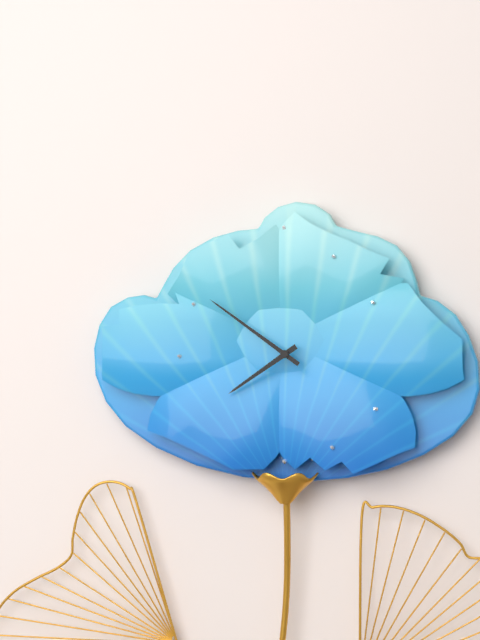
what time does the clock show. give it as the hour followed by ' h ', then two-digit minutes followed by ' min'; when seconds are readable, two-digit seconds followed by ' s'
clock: 7 h 51 min
